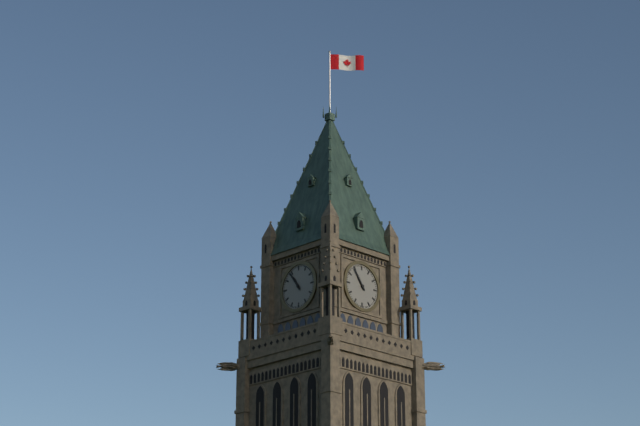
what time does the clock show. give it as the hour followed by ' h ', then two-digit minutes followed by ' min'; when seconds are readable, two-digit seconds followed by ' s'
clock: 10 h 54 min
